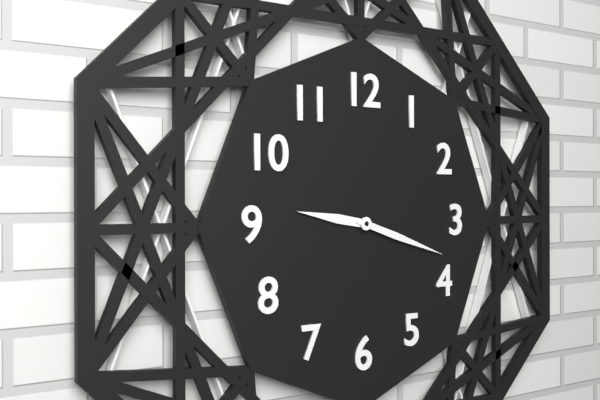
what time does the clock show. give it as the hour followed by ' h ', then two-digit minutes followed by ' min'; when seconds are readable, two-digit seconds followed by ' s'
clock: 9 h 18 min
